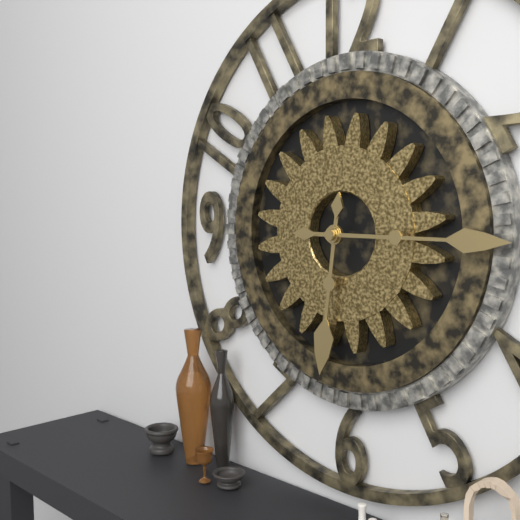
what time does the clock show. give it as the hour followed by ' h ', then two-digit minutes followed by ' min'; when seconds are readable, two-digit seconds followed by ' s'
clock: 6 h 15 min
